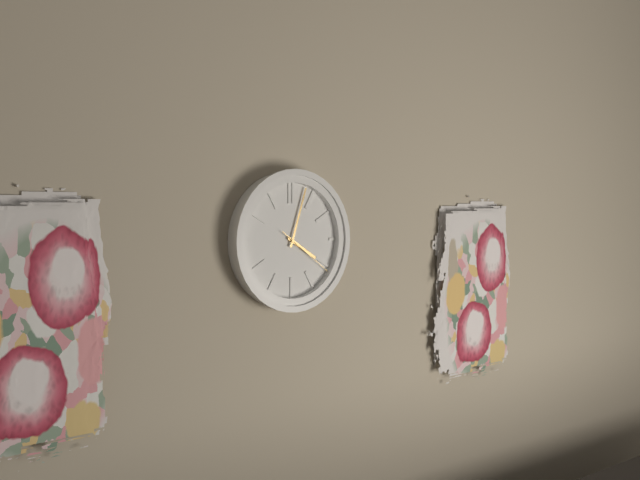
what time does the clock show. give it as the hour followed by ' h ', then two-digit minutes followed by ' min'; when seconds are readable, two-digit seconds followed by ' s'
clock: 4 h 03 min 21 s
